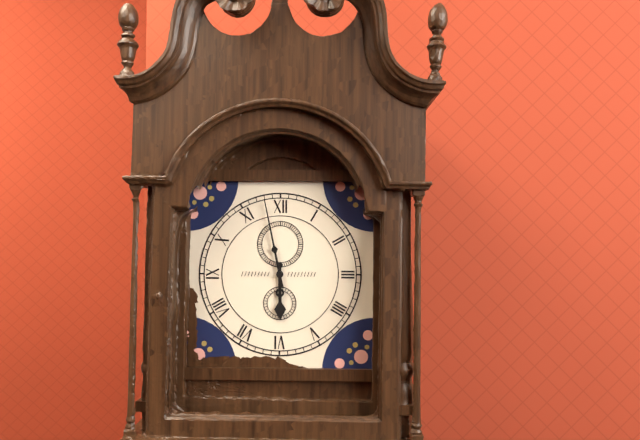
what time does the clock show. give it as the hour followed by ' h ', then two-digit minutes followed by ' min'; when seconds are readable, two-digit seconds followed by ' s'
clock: 5 h 58 min
